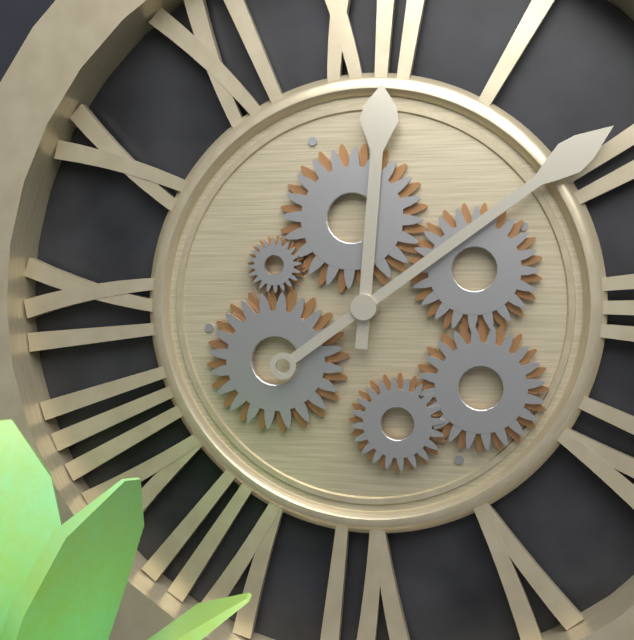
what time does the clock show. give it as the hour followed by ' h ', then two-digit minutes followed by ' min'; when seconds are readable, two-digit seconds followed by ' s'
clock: 12 h 09 min
